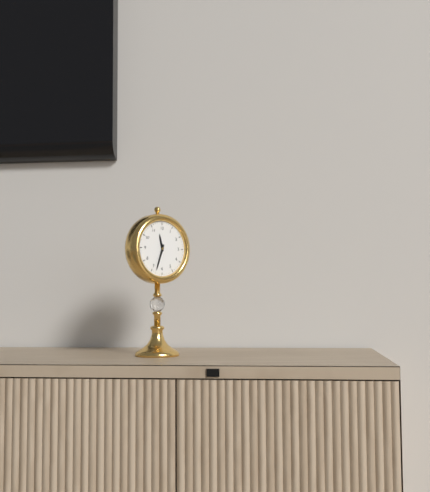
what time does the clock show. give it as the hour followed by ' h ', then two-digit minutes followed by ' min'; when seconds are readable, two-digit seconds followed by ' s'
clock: 11 h 33 min
